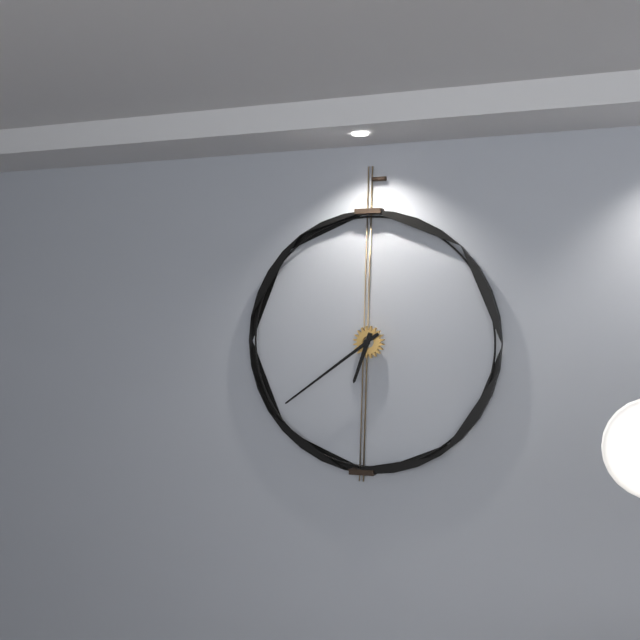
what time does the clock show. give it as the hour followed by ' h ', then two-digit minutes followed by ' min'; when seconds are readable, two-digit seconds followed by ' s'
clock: 6 h 39 min
